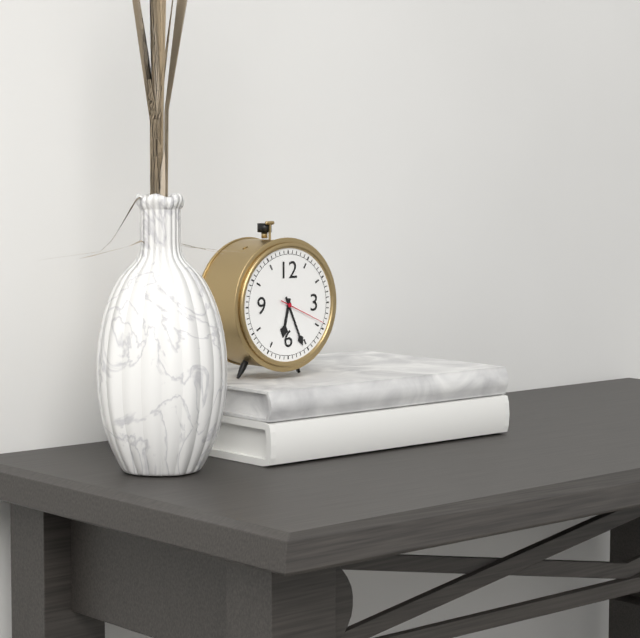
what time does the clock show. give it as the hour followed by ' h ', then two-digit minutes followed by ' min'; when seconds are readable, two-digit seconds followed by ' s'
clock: 6 h 26 min
